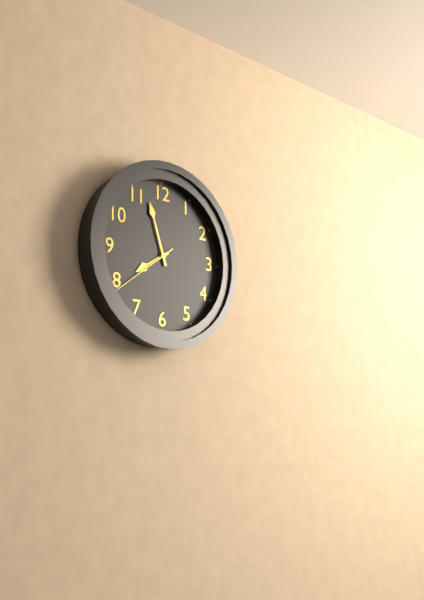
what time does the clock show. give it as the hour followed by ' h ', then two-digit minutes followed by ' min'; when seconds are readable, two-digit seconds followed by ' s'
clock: 7 h 57 min 39 s
